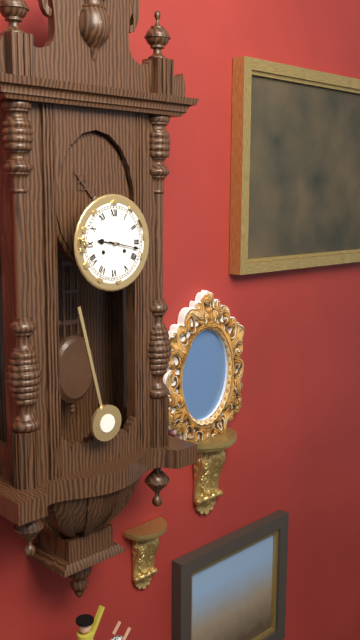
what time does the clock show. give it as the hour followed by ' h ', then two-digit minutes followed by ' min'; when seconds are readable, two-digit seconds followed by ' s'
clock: 9 h 17 min
